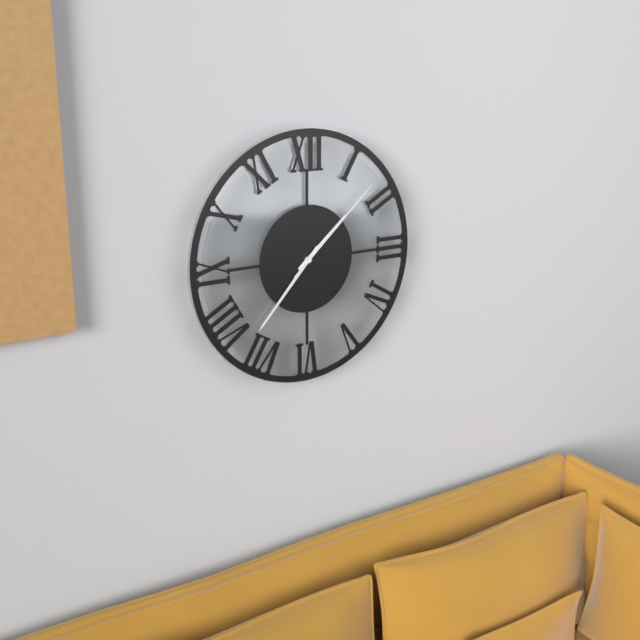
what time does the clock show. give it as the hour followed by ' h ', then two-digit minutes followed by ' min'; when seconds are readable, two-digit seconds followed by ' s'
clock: 1 h 37 min 08 s
